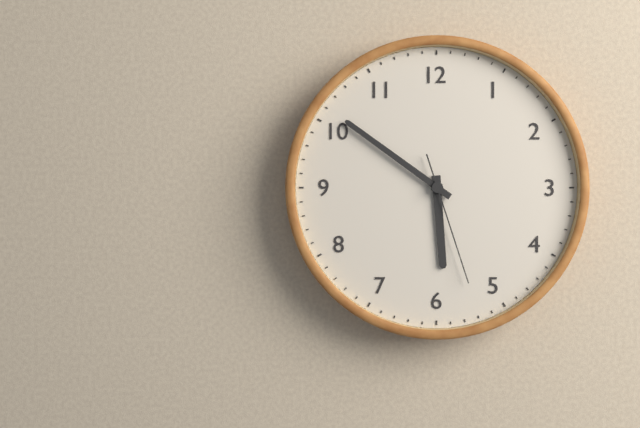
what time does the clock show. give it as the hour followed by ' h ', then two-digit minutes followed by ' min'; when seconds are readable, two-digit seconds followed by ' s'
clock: 5 h 51 min 27 s
